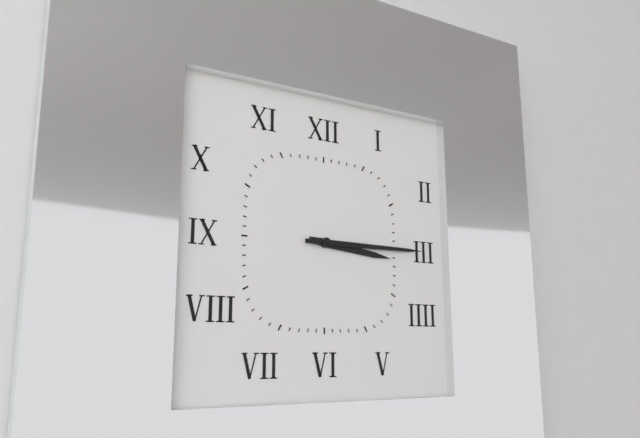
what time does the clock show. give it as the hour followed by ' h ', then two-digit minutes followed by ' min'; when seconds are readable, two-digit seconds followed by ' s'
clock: 3 h 15 min
